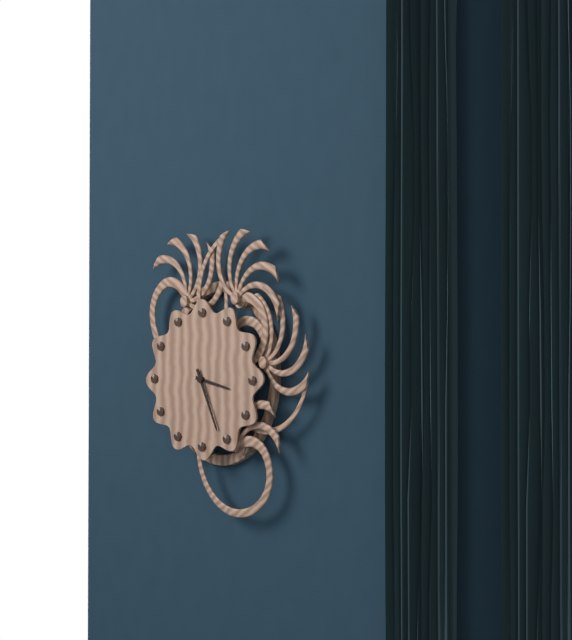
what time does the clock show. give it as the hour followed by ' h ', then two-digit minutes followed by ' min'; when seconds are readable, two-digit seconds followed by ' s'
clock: 3 h 26 min
